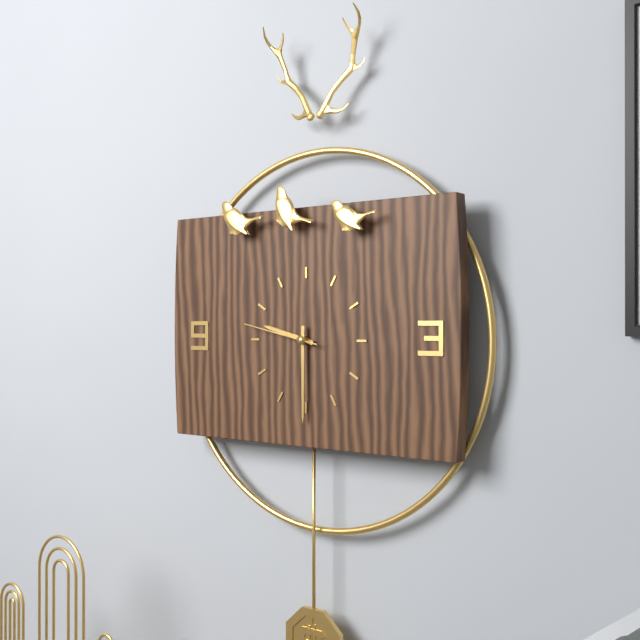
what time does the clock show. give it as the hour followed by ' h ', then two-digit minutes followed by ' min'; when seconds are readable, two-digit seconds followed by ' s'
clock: 9 h 30 min 47 s
